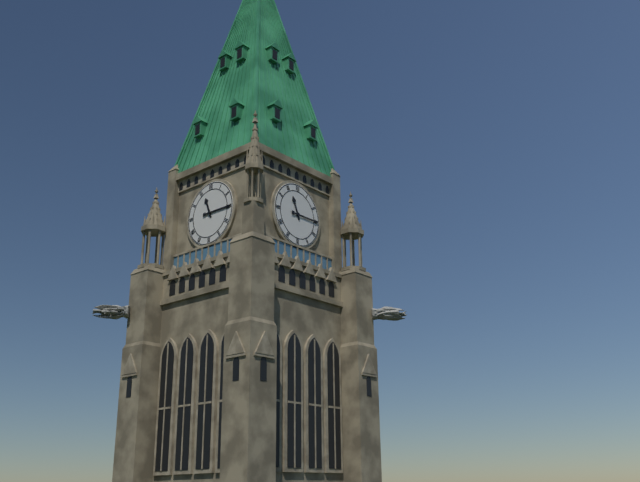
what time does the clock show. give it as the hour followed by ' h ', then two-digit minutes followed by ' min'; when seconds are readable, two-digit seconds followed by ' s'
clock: 11 h 15 min
